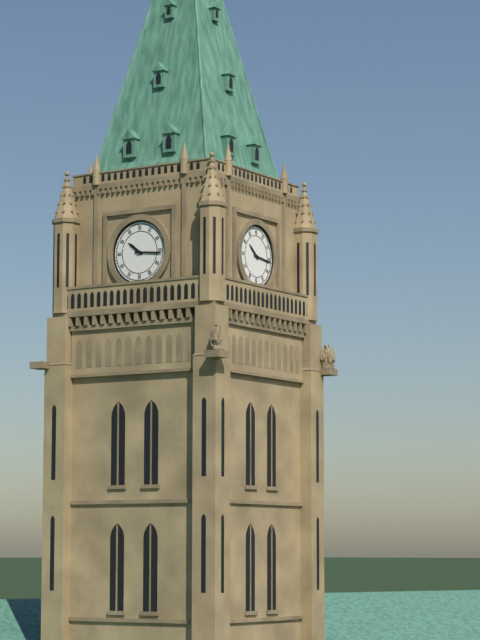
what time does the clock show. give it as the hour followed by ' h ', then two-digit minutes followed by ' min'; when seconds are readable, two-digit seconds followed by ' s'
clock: 10 h 16 min
